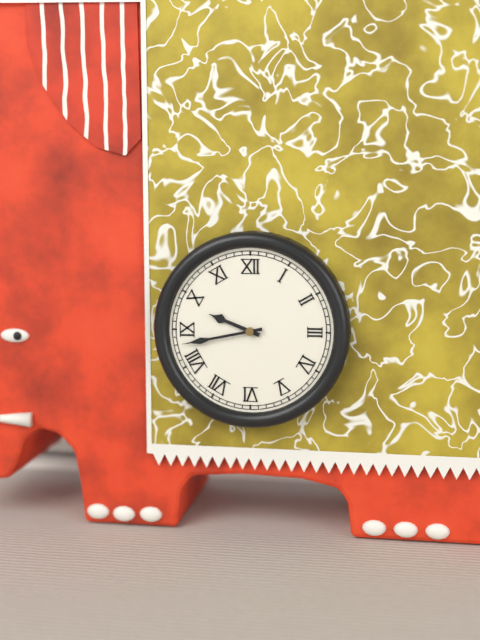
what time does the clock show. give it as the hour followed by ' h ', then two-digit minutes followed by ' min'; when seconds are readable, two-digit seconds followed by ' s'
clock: 9 h 43 min
